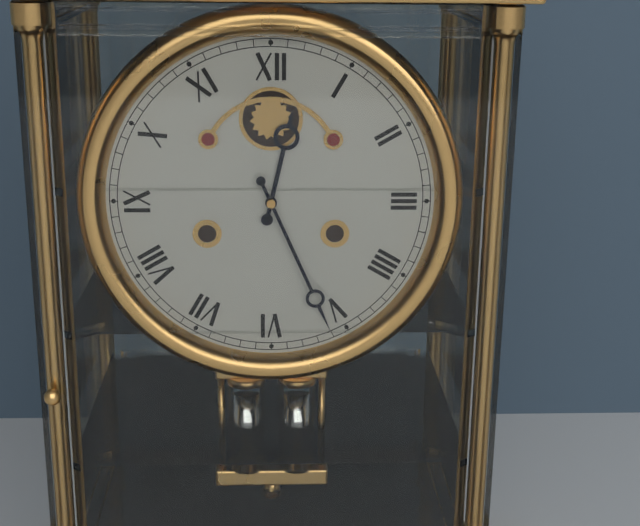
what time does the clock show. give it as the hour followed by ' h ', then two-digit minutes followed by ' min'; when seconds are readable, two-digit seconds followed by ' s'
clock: 12 h 26 min
